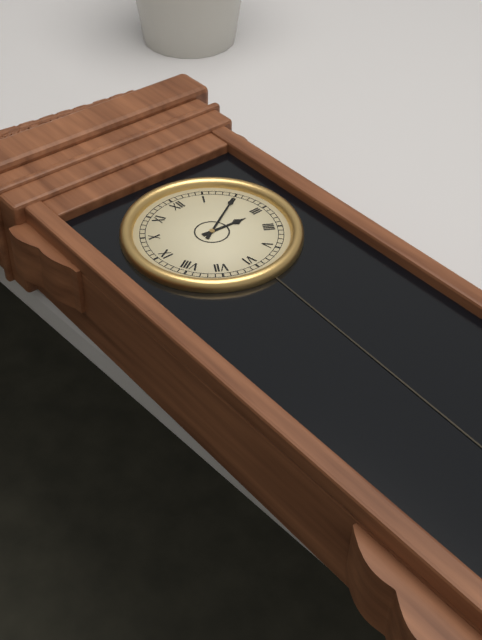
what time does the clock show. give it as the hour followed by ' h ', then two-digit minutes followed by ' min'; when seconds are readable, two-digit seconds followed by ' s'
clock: 3 h 10 min
